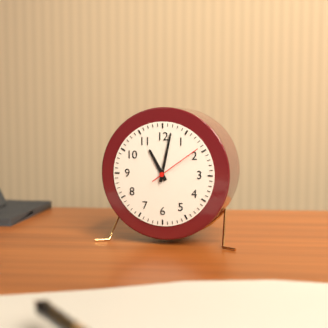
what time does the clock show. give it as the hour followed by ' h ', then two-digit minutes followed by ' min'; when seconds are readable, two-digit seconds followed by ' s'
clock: 11 h 02 min 09 s
